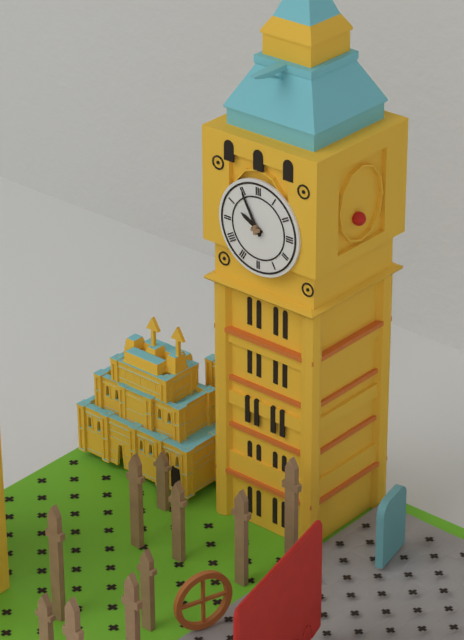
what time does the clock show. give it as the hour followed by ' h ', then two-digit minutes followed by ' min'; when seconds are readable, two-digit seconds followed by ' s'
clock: 9 h 55 min
